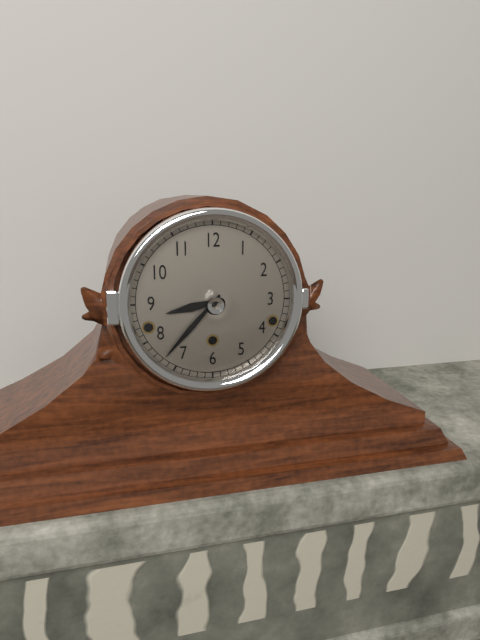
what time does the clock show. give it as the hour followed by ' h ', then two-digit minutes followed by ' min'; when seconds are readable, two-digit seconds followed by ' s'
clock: 8 h 37 min
